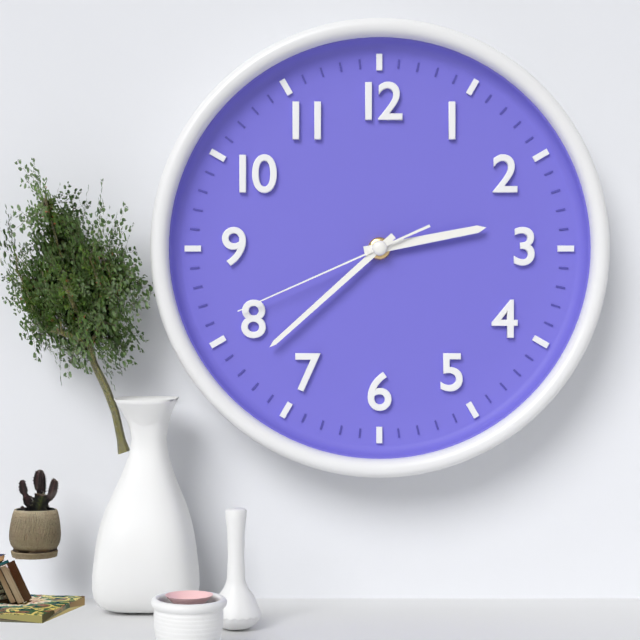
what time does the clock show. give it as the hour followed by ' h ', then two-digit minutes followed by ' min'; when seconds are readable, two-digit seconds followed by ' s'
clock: 2 h 38 min 41 s
